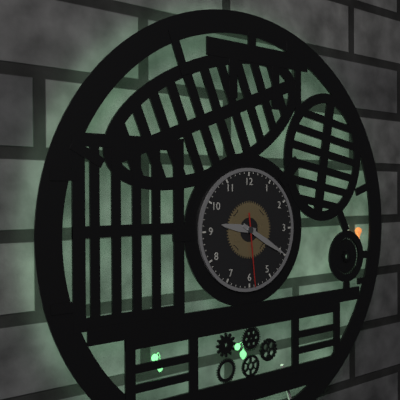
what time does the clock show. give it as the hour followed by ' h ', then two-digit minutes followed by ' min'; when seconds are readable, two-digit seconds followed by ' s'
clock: 9 h 20 min 29 s
